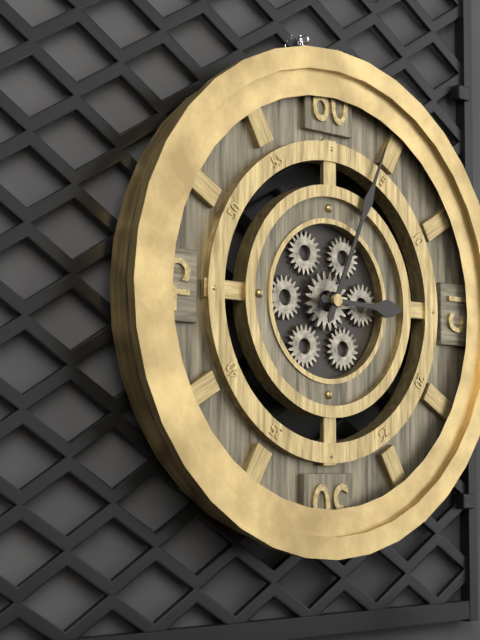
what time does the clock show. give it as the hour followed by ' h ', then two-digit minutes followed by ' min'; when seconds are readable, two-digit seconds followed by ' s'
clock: 3 h 04 min
